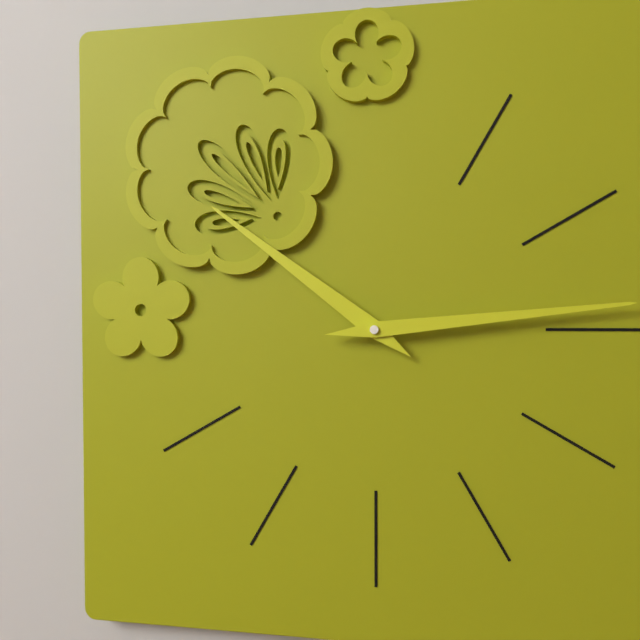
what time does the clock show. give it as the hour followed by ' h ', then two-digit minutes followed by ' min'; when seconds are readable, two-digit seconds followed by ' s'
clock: 10 h 14 min
